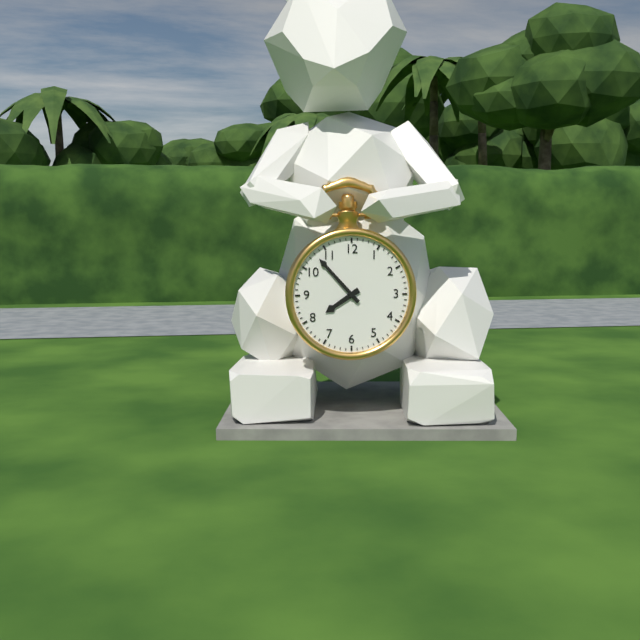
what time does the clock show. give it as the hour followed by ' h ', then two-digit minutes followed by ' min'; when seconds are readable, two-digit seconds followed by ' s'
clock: 7 h 53 min
